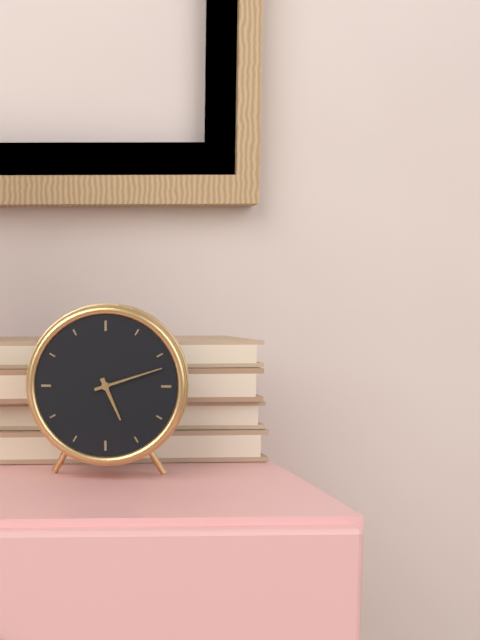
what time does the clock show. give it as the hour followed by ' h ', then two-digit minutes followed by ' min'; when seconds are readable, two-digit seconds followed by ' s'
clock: 5 h 12 min
